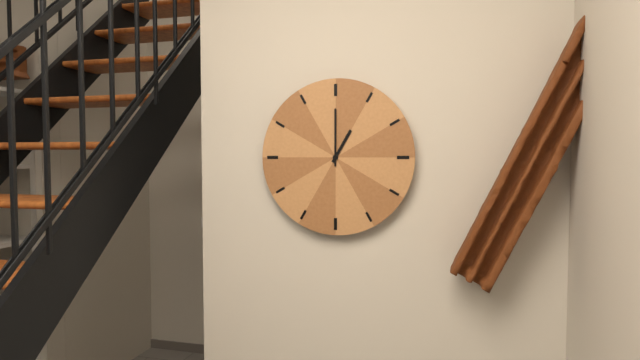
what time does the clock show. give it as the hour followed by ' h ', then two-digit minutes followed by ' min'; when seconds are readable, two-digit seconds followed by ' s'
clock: 1 h 00 min
